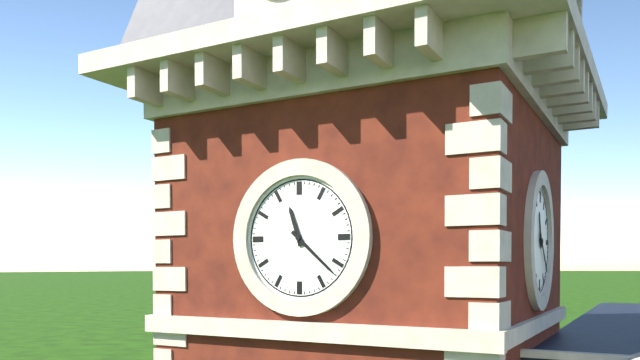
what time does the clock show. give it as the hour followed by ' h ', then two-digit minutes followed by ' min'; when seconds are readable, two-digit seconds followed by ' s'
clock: 11 h 22 min
